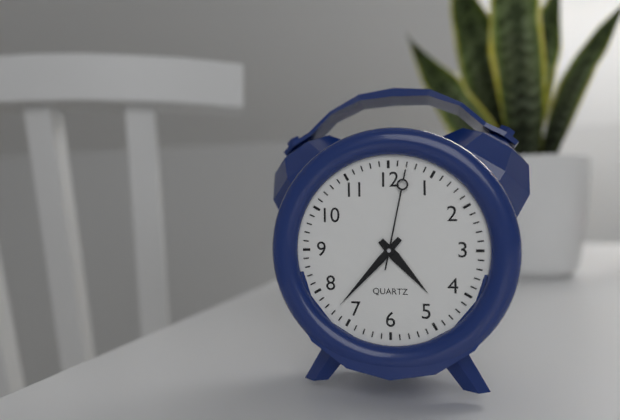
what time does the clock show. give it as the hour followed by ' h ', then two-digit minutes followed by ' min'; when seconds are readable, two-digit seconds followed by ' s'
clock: 4 h 37 min 02 s
